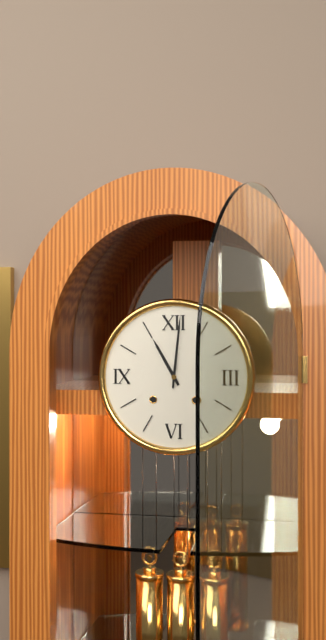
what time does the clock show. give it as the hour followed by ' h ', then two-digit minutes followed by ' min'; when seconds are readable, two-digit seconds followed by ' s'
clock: 11 h 01 min
